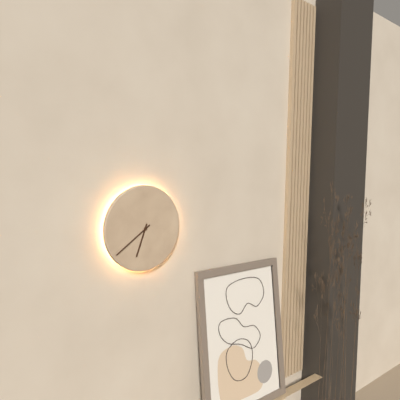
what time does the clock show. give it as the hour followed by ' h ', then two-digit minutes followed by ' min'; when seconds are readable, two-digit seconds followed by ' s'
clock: 6 h 39 min
